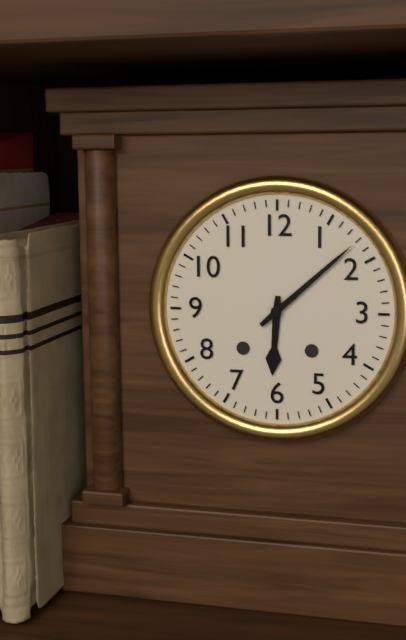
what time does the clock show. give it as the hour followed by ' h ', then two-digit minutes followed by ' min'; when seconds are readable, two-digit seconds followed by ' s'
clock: 6 h 08 min
